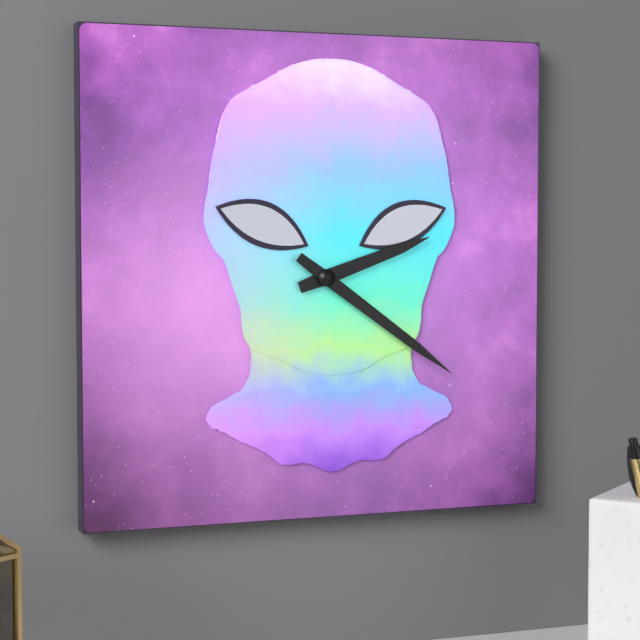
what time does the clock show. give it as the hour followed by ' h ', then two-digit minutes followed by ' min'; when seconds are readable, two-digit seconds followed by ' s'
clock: 2 h 21 min
